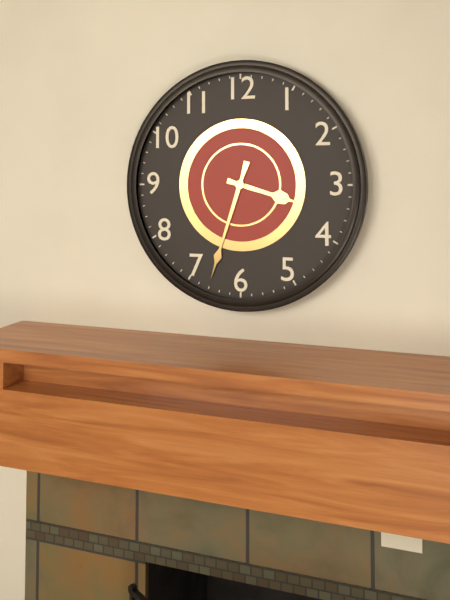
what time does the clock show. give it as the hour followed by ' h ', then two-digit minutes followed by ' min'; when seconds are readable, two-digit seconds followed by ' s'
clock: 3 h 33 min
